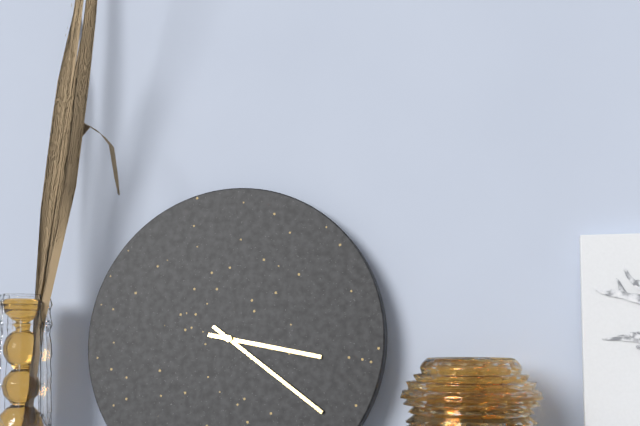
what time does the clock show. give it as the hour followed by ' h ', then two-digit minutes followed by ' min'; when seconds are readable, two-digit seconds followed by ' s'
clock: 3 h 21 min
